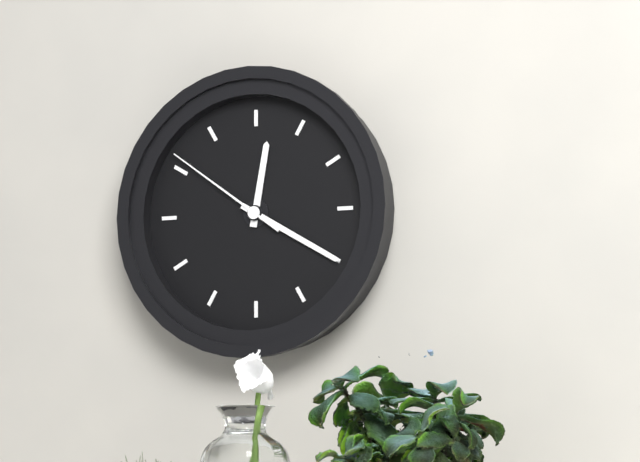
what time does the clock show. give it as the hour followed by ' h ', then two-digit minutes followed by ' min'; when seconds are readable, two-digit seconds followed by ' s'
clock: 12 h 20 min 51 s
